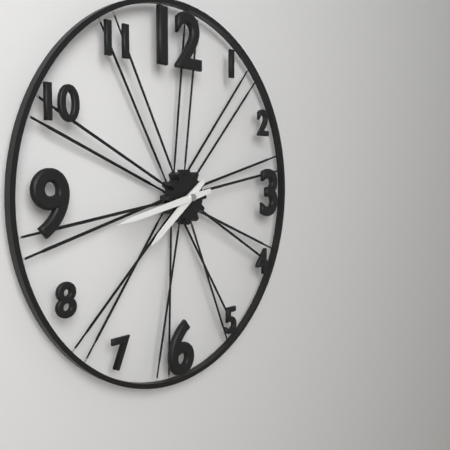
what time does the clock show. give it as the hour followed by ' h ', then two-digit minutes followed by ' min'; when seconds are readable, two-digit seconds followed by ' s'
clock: 7 h 43 min
